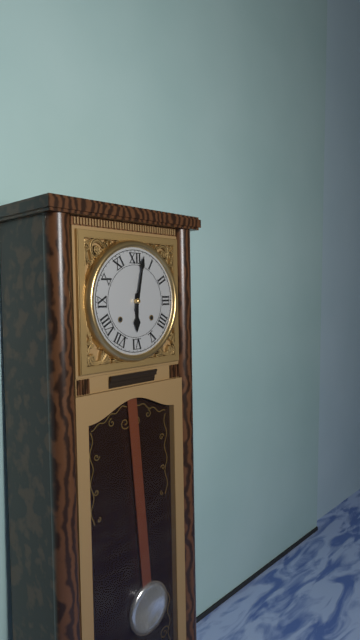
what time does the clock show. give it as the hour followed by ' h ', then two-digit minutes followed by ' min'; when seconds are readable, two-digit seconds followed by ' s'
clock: 6 h 02 min
